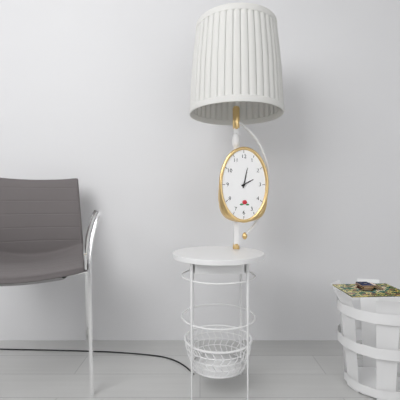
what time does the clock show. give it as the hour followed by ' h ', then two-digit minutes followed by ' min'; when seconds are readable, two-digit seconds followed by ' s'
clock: 2 h 02 min
